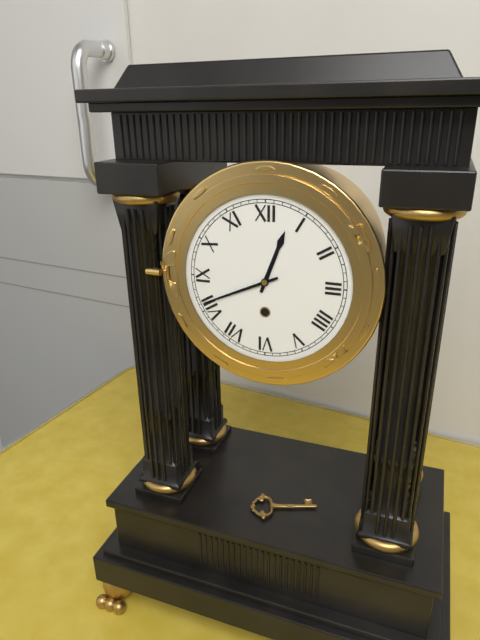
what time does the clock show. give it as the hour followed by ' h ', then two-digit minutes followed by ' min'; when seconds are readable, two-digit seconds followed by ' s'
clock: 12 h 41 min
